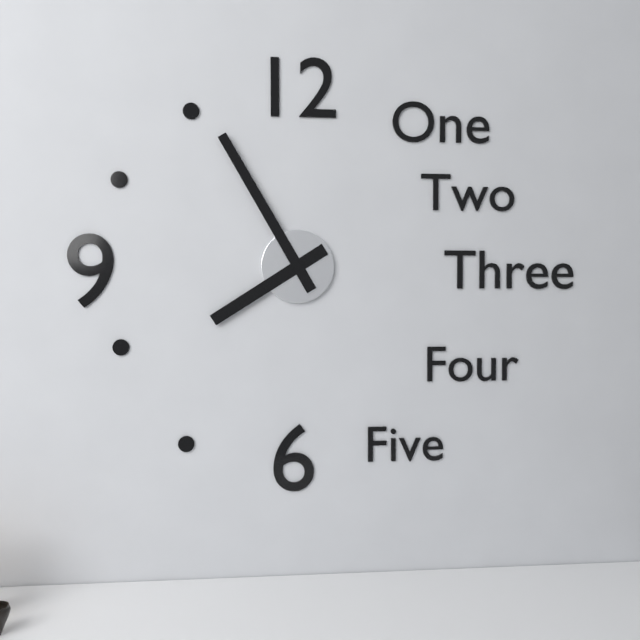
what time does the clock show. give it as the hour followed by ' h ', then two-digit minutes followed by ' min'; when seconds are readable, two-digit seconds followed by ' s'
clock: 7 h 55 min
